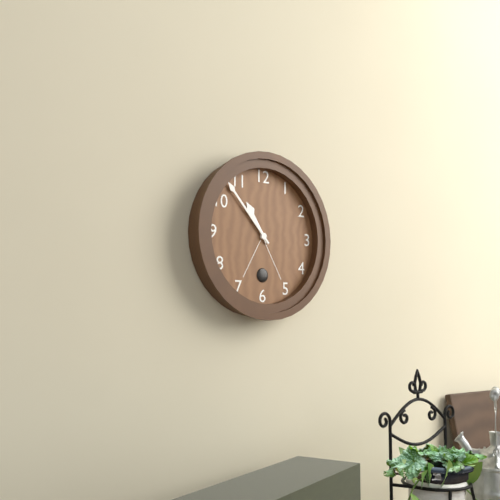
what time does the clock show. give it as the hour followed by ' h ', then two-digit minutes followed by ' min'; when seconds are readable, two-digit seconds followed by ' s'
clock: 10 h 53 min
